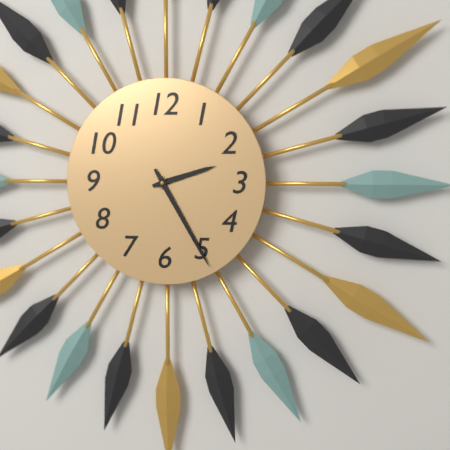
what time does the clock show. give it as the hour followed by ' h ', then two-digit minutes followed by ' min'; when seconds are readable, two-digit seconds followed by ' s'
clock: 2 h 25 min
